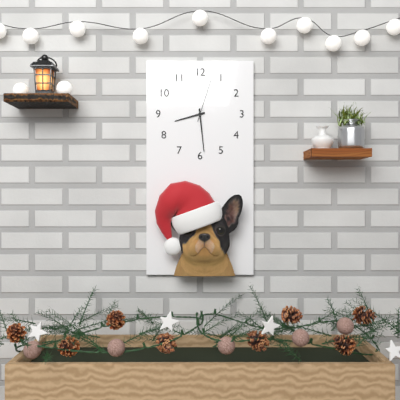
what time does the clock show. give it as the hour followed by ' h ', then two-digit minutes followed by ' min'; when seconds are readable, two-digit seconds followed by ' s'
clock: 8 h 29 min
